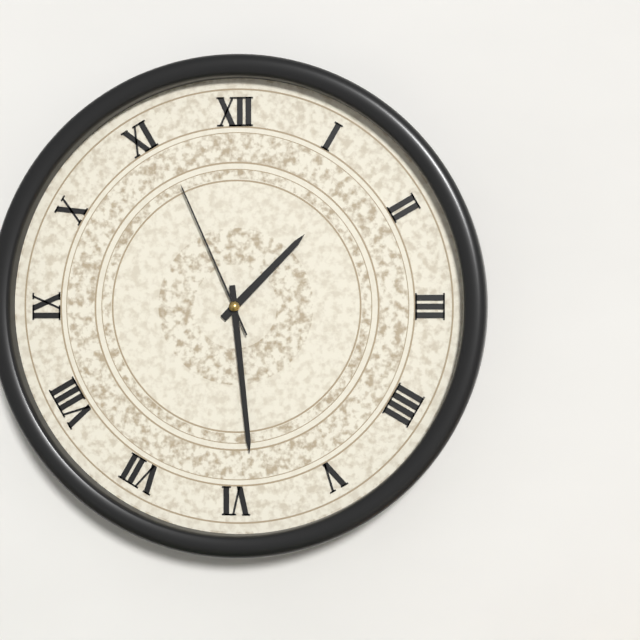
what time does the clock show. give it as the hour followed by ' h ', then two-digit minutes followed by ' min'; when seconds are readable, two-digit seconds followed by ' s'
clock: 1 h 29 min 56 s
